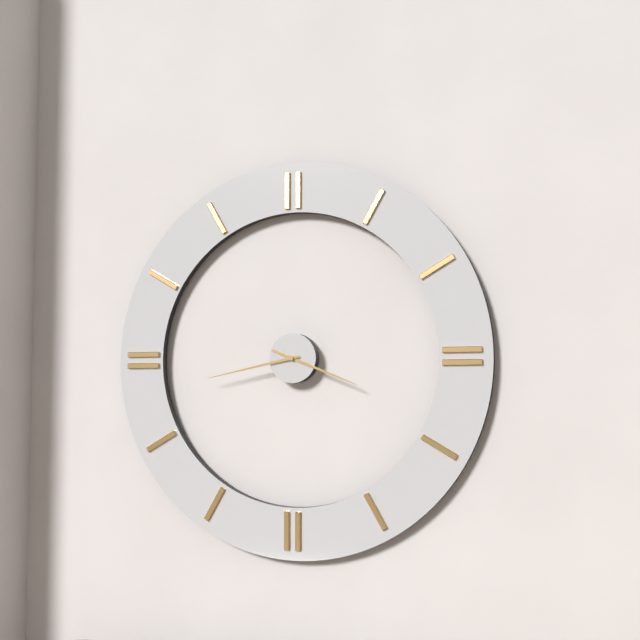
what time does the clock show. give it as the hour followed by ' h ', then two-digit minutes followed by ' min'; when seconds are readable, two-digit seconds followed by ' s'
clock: 3 h 43 min
